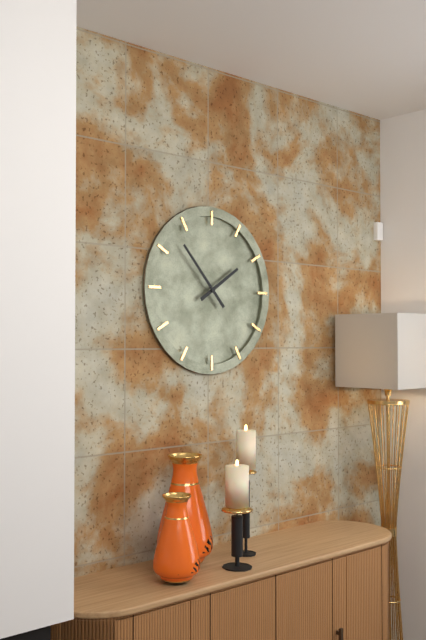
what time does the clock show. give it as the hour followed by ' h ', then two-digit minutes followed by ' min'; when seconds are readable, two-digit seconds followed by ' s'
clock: 1 h 53 min
